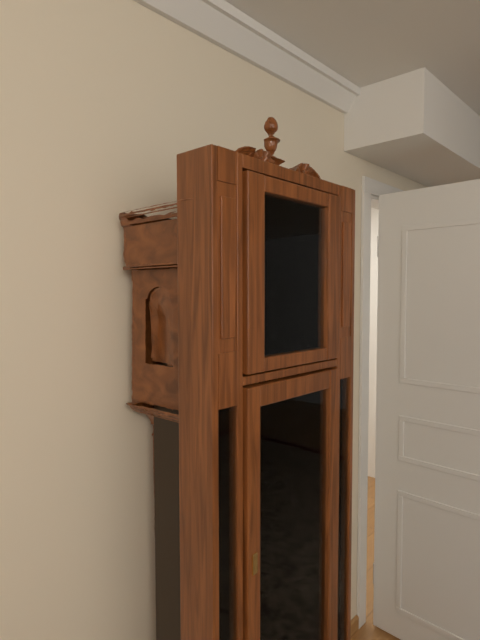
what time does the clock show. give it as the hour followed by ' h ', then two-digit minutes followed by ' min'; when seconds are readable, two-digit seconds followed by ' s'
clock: 3 h 58 min
